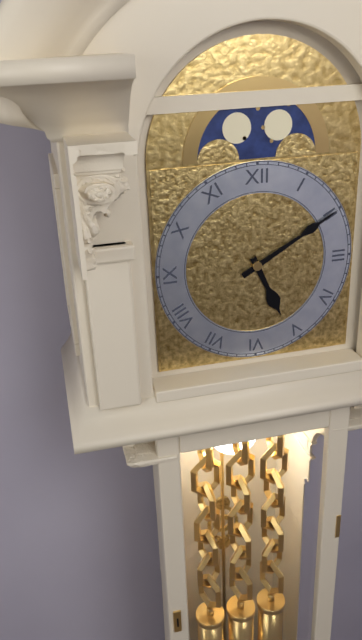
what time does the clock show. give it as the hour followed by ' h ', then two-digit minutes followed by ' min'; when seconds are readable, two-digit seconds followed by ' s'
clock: 5 h 10 min
